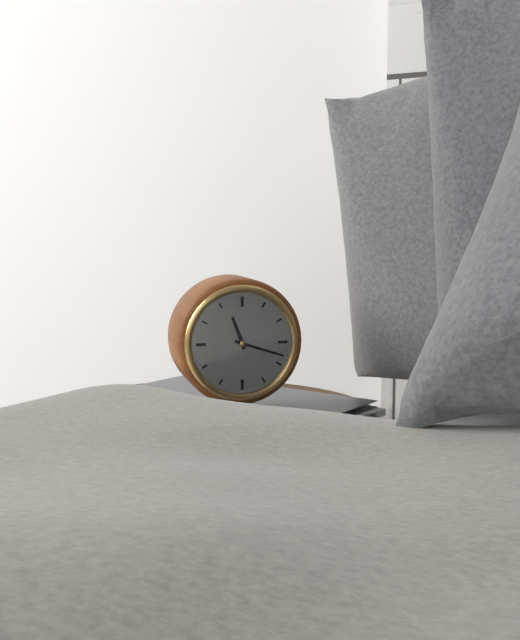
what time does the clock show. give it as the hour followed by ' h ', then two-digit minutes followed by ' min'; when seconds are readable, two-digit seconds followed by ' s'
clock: 11 h 18 min
